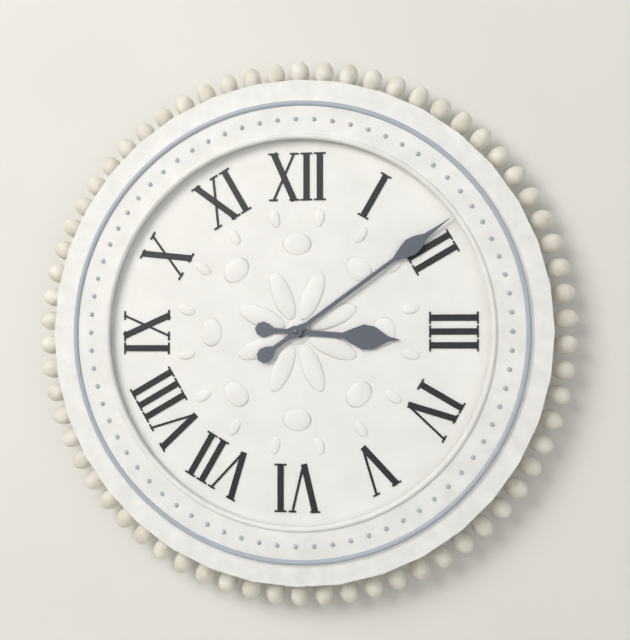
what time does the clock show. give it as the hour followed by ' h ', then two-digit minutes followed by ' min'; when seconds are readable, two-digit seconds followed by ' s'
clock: 3 h 09 min
